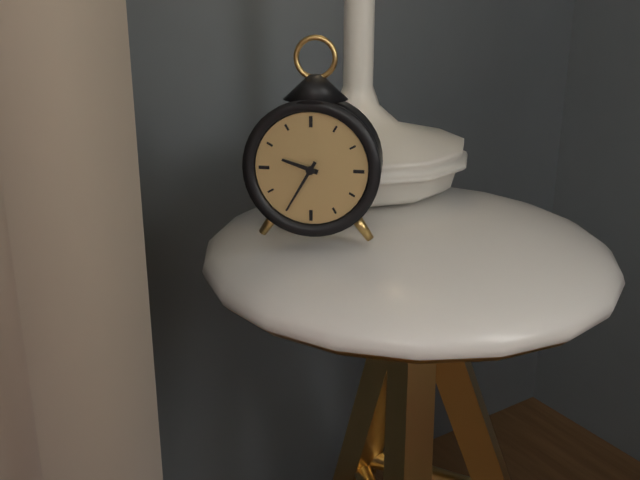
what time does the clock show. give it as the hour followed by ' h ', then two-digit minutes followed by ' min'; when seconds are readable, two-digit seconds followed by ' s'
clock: 9 h 35 min
